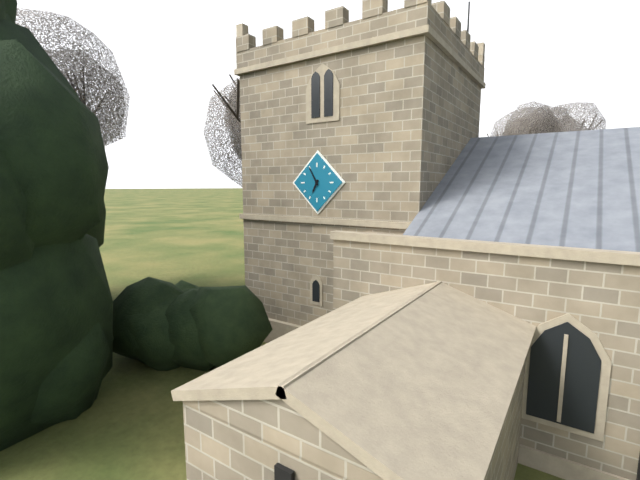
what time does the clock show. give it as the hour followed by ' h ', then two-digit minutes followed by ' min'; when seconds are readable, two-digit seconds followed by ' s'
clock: 6 h 55 min
